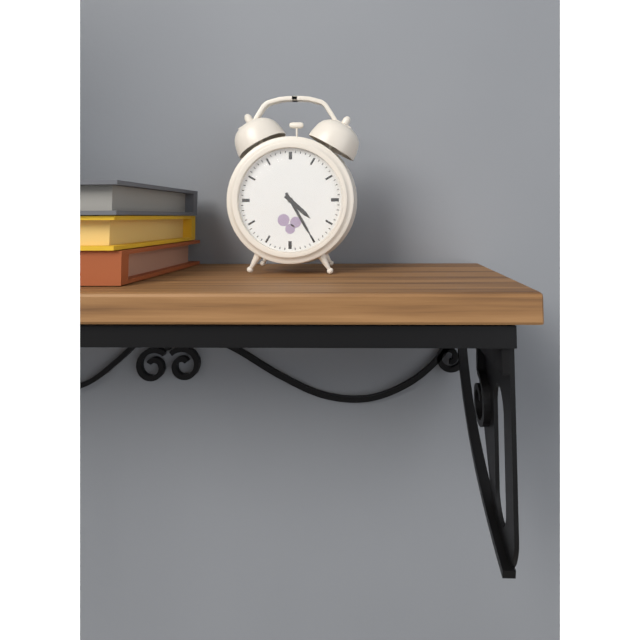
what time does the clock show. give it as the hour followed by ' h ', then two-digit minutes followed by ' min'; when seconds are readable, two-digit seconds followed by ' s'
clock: 4 h 25 min
